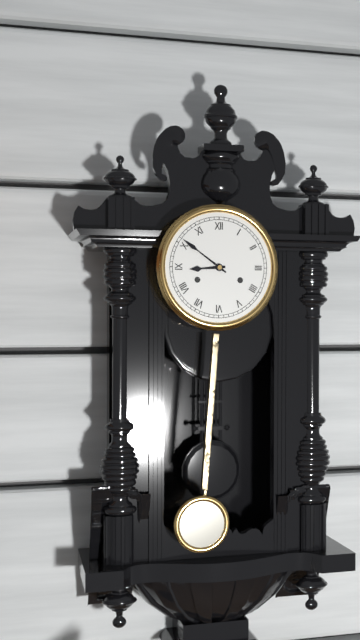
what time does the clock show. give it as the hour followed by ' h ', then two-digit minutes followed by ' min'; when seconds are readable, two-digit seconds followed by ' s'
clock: 8 h 51 min
